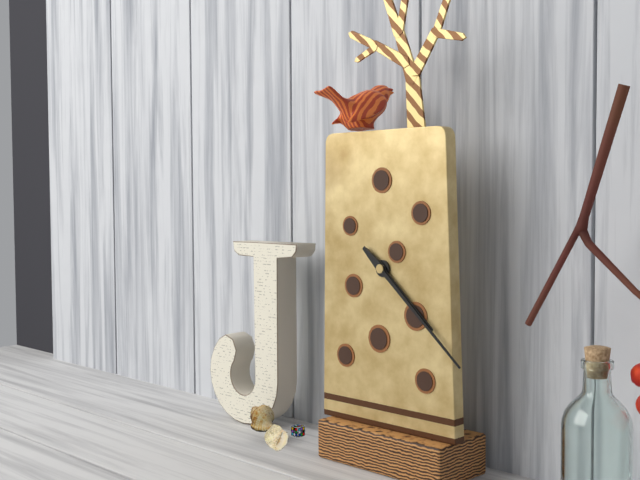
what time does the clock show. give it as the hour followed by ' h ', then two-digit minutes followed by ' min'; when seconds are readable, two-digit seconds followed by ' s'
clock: 4 h 22 min
